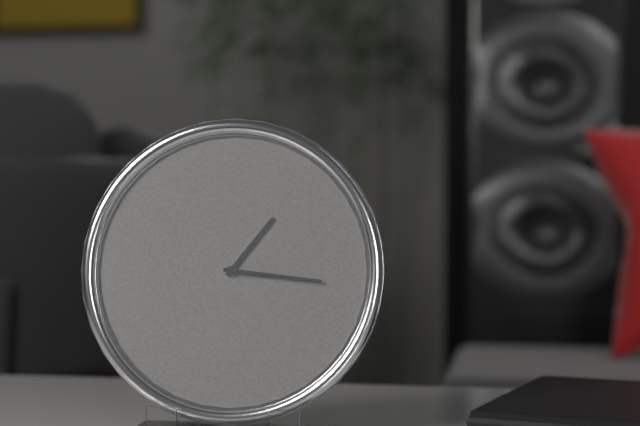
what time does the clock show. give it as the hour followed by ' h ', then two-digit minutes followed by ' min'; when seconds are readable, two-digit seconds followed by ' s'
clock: 1 h 16 min
